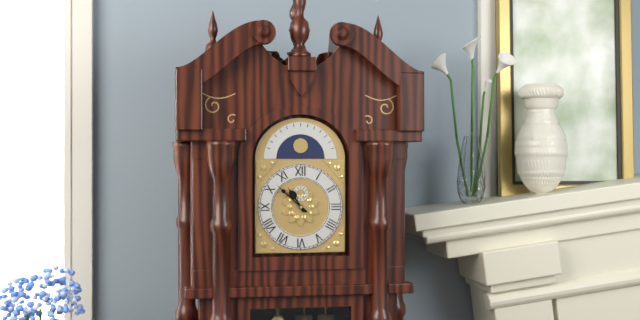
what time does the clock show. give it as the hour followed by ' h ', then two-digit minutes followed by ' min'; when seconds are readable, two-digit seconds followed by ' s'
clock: 10 h 52 min
